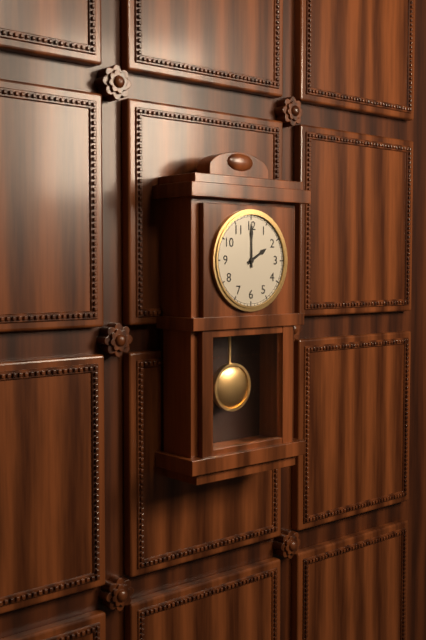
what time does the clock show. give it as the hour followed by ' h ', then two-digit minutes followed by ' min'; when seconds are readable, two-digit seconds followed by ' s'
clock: 2 h 00 min
